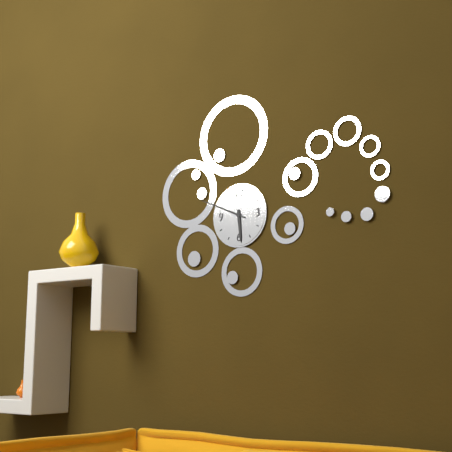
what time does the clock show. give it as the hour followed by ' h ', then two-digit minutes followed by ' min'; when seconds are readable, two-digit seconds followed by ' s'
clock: 5 h 49 min
